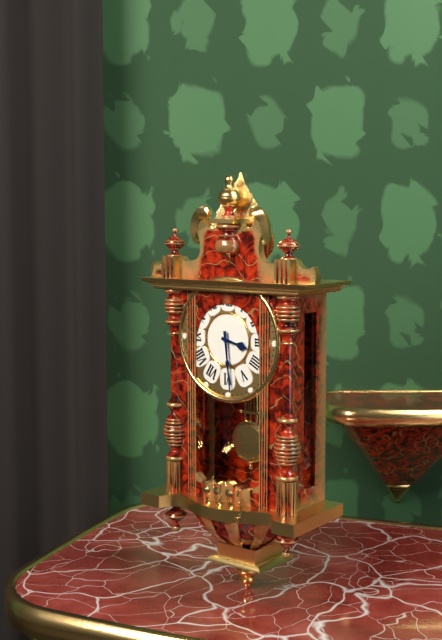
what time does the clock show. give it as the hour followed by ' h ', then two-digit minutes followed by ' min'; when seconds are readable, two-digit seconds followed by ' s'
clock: 3 h 29 min
